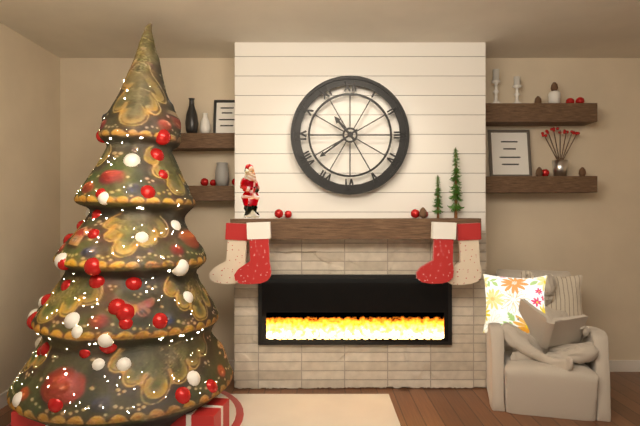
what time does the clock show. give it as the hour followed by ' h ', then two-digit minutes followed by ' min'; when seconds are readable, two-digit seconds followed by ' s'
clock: 10 h 39 min
